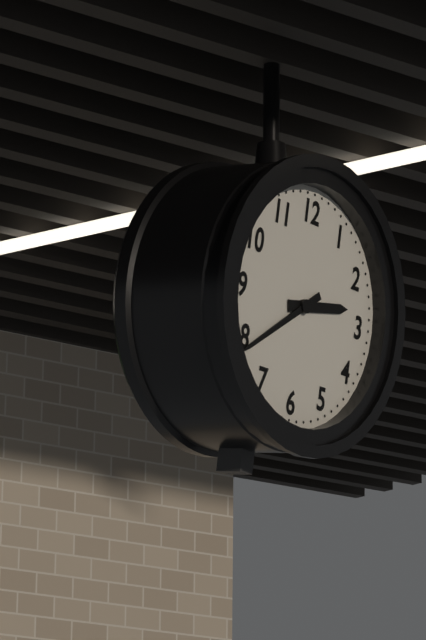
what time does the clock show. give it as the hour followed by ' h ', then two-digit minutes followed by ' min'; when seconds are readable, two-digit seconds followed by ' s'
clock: 2 h 39 min
